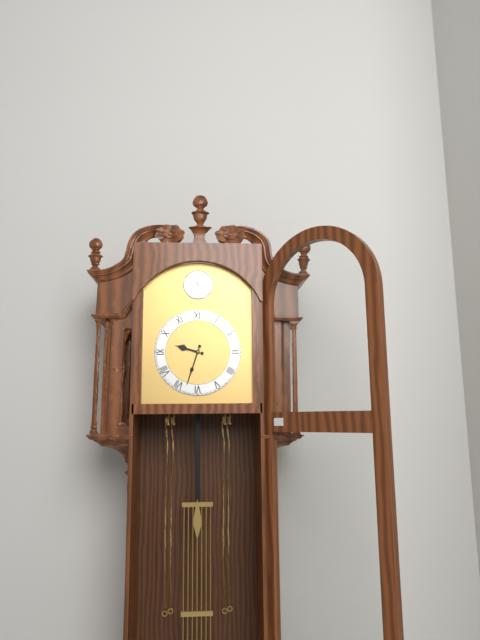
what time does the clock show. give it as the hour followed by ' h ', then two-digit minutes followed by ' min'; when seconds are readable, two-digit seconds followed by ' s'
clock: 9 h 33 min
